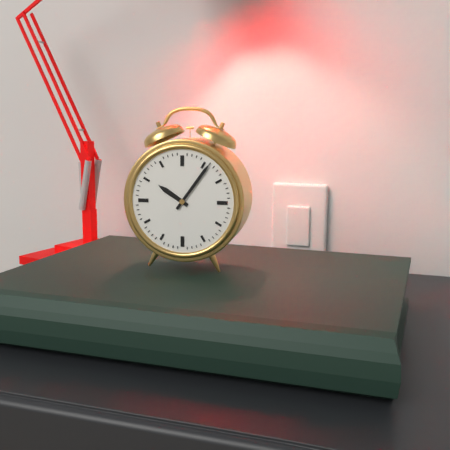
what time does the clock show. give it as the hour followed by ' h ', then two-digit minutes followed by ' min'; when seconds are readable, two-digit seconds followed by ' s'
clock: 10 h 06 min
